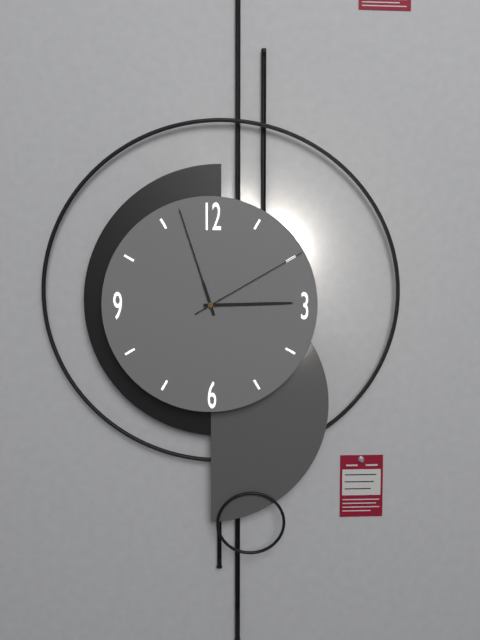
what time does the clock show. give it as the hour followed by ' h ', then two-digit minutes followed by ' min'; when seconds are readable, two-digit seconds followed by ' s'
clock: 2 h 57 min 10 s
